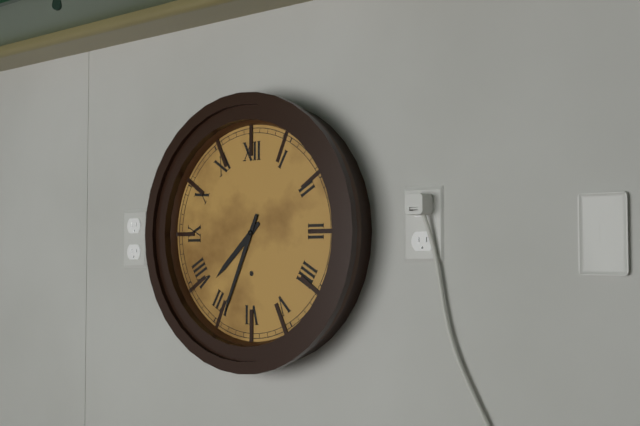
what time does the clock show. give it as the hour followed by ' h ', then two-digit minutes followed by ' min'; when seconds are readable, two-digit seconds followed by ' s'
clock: 7 h 34 min
